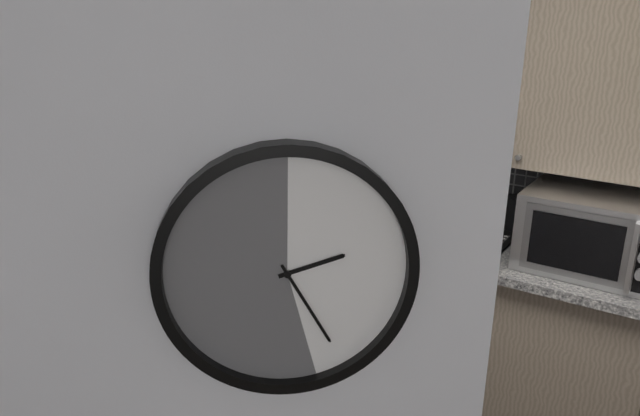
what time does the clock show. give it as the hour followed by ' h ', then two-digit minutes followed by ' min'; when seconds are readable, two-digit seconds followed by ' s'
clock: 2 h 25 min
